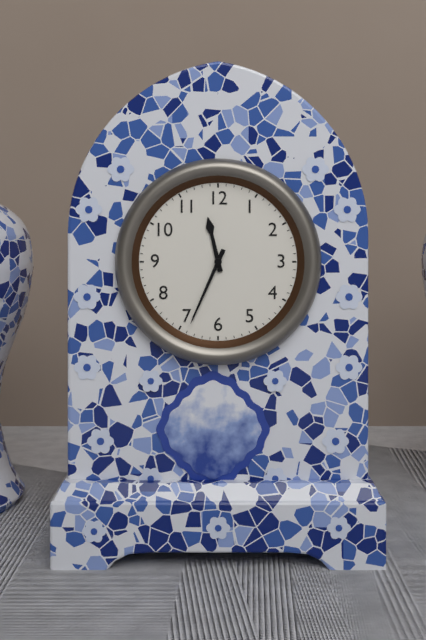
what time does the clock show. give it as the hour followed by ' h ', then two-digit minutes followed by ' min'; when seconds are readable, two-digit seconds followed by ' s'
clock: 11 h 34 min
